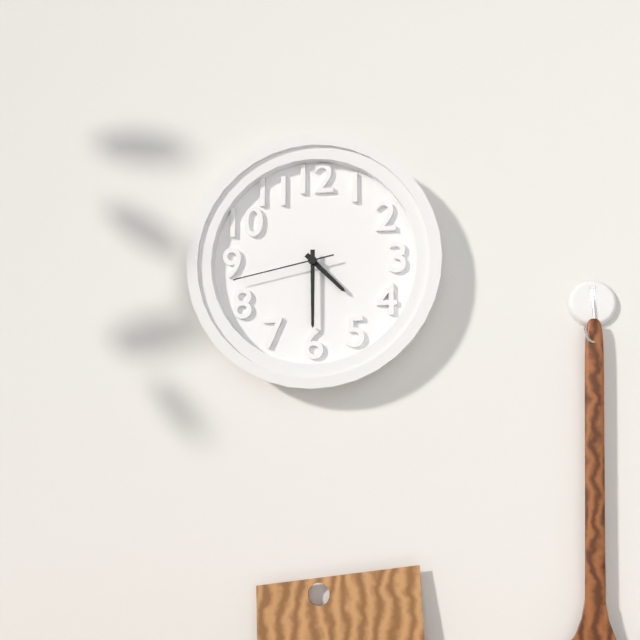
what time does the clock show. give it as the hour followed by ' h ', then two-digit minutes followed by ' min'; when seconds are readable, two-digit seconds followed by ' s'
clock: 4 h 30 min 43 s
